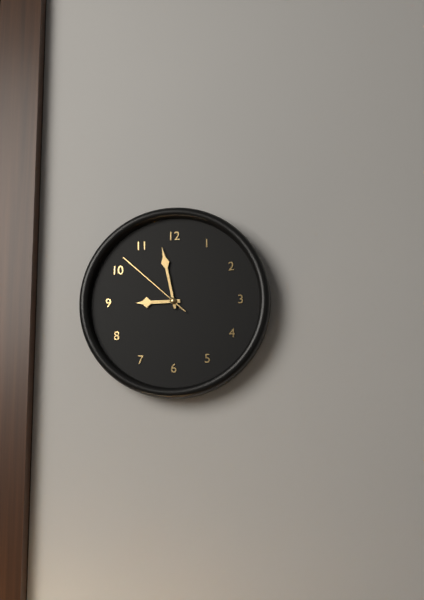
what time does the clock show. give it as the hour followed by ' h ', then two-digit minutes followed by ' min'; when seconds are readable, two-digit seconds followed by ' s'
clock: 8 h 58 min 52 s
